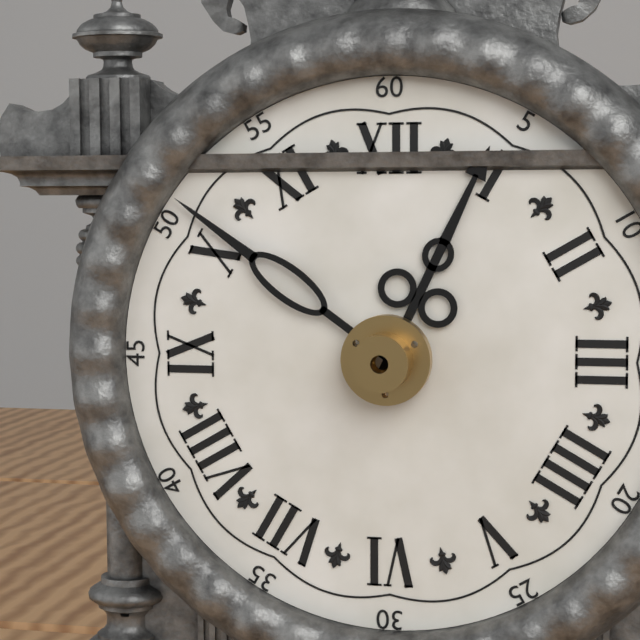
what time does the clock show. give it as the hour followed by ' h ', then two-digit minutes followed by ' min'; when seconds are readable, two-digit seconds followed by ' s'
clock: 12 h 51 min
